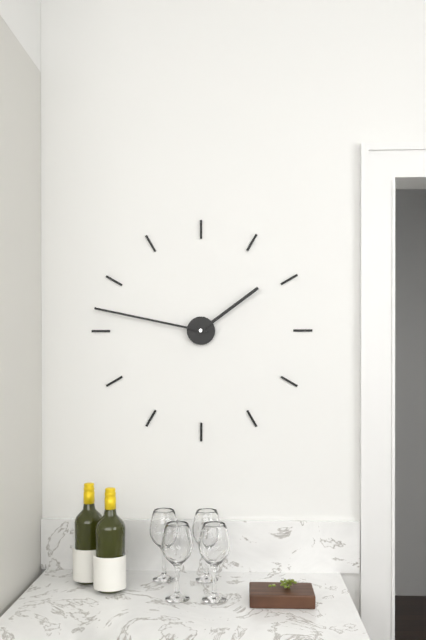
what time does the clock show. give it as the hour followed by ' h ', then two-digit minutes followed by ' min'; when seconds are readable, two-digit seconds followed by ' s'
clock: 1 h 47 min
